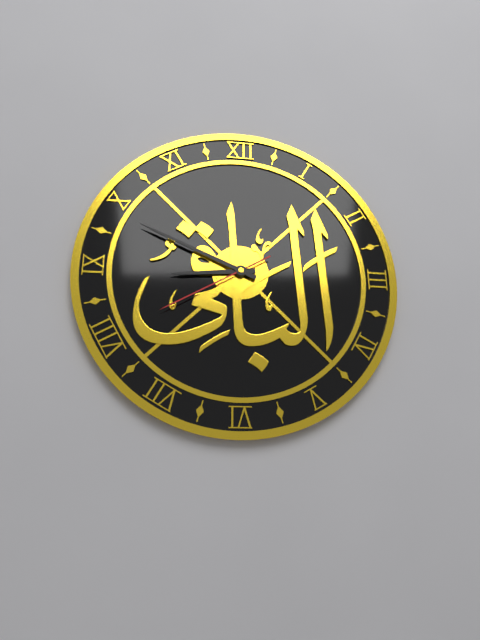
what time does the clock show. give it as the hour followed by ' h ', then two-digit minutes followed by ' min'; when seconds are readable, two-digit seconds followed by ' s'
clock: 8 h 49 min 40 s
